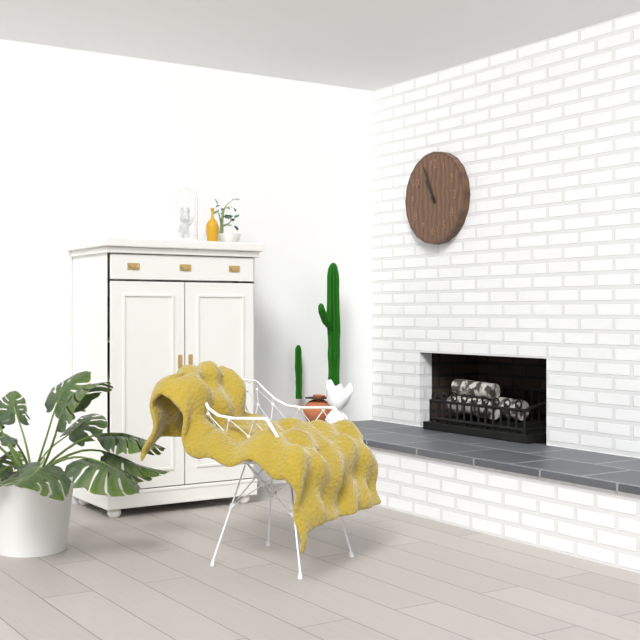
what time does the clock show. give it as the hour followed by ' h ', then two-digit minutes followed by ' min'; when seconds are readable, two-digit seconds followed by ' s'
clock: 10 h 56 min
